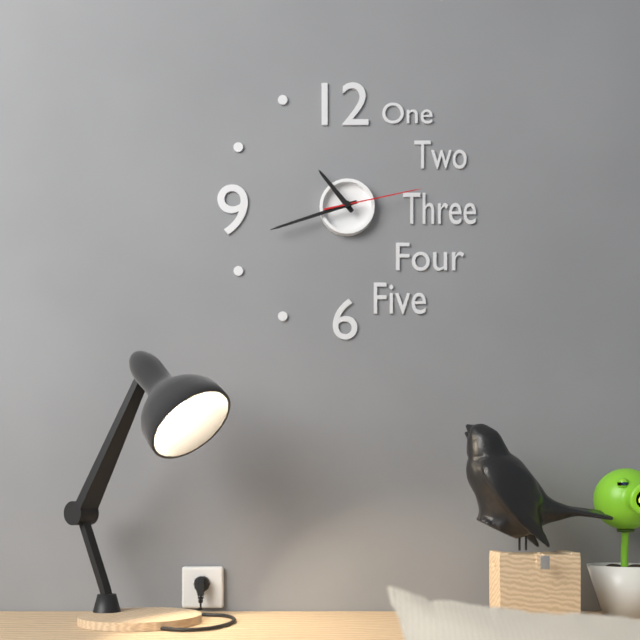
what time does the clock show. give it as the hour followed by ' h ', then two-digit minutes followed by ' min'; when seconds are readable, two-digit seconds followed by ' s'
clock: 10 h 42 min 13 s
